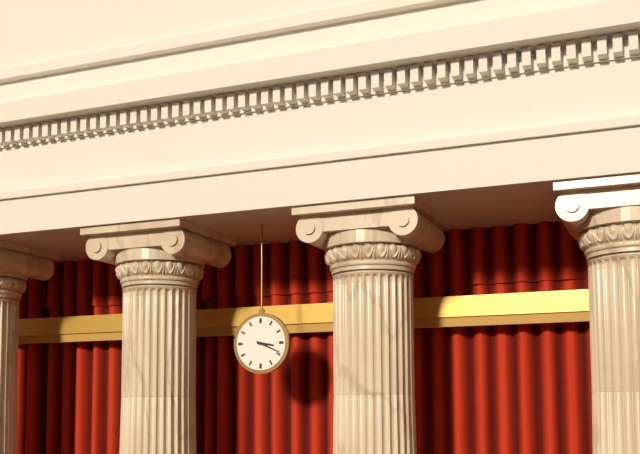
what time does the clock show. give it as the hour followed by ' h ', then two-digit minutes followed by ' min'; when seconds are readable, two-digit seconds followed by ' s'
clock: 3 h 19 min
